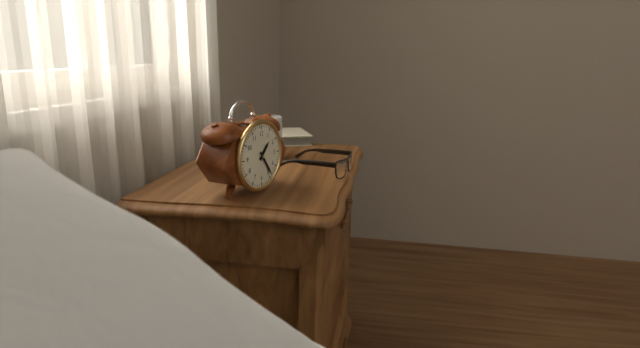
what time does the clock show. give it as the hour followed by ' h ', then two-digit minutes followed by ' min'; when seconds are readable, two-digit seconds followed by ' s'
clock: 1 h 24 min
